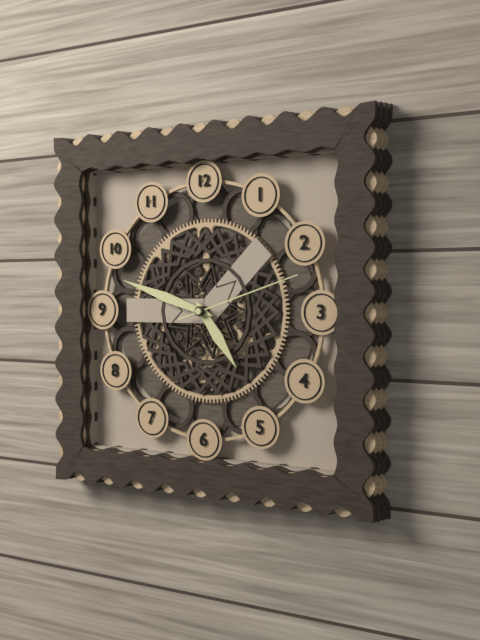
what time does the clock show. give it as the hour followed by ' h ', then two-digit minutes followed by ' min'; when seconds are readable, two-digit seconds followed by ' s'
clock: 4 h 48 min 12 s
